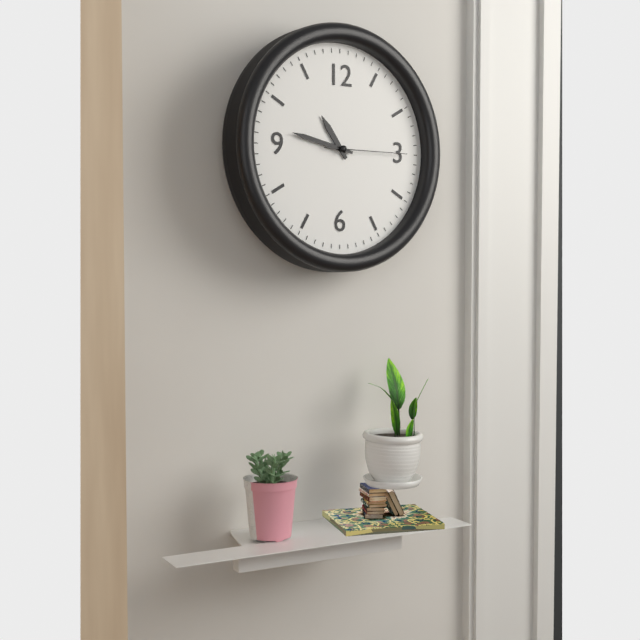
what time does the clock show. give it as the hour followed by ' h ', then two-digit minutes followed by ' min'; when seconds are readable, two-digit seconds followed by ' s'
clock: 10 h 47 min 15 s
